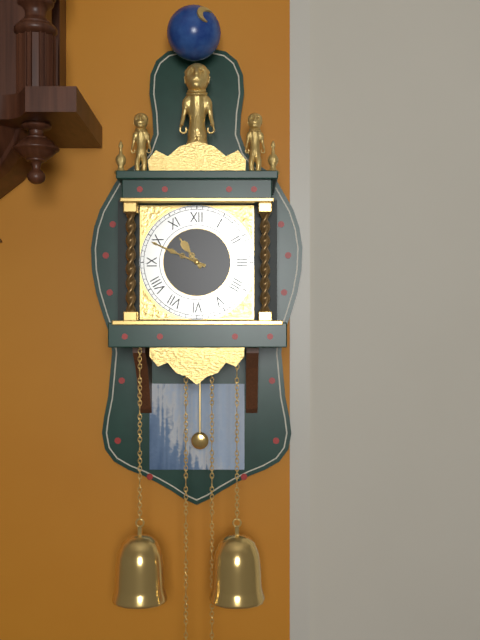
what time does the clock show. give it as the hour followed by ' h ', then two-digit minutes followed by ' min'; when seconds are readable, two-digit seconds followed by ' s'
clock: 10 h 49 min
